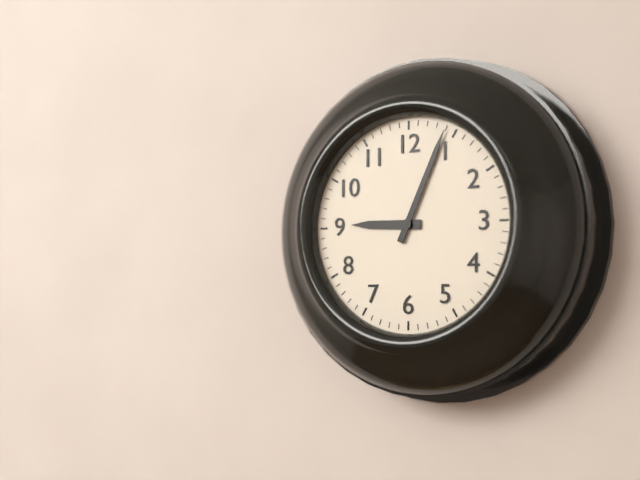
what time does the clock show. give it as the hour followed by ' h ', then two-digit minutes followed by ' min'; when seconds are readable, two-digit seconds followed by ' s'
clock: 9 h 04 min
